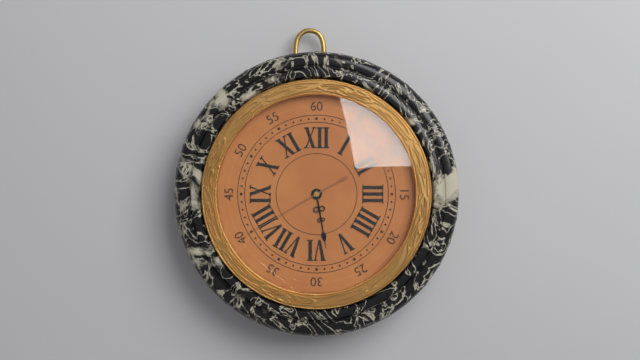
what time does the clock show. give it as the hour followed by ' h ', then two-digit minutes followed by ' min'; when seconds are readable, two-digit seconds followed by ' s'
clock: 5 h 40 min
